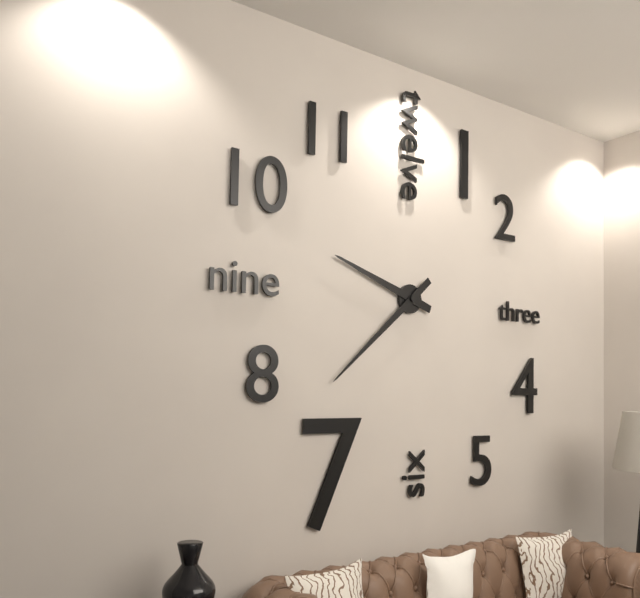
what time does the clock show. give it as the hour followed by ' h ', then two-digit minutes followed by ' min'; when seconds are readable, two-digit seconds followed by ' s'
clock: 9 h 38 min
